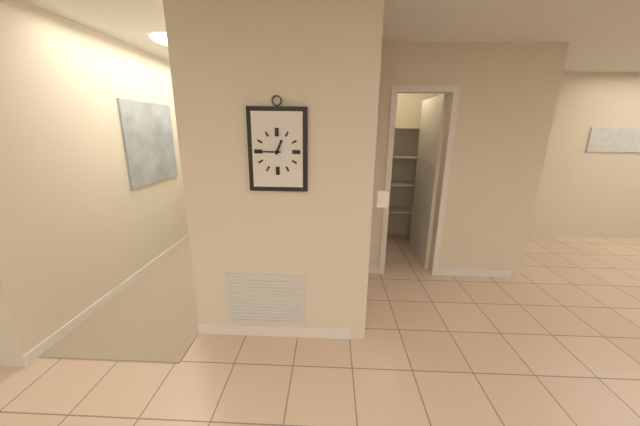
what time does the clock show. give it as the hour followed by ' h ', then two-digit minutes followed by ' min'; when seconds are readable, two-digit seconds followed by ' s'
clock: 12 h 45 min
